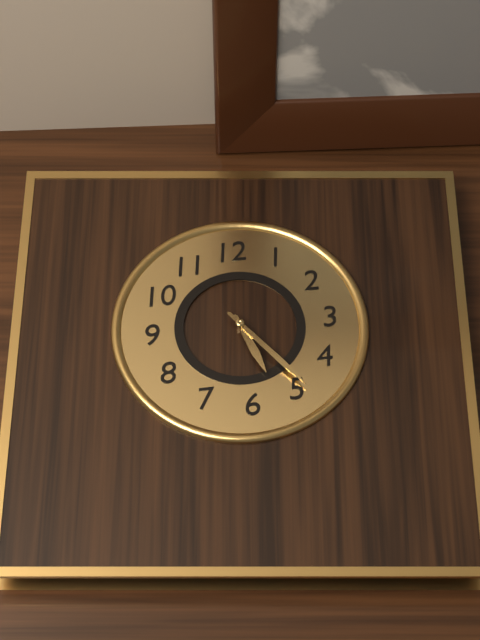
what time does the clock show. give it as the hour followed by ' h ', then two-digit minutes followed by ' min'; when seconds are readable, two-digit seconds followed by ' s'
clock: 5 h 24 min
